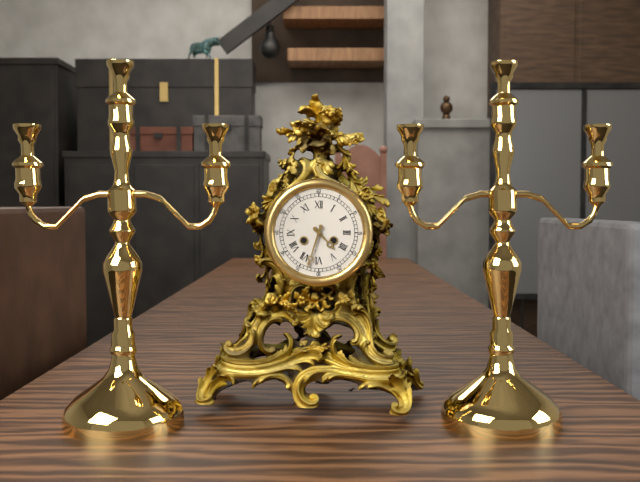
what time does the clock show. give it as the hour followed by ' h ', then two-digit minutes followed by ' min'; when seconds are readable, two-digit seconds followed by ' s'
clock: 4 h 33 min
